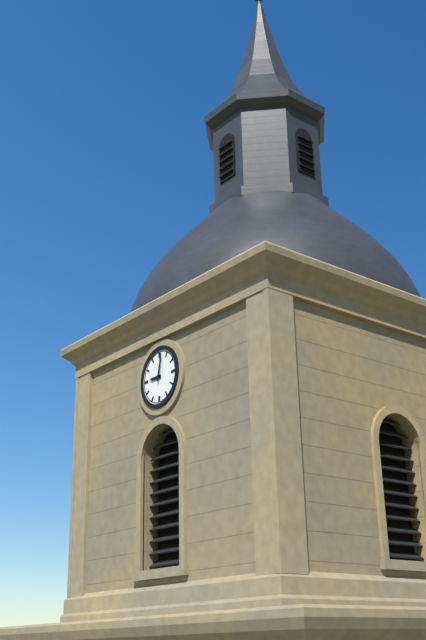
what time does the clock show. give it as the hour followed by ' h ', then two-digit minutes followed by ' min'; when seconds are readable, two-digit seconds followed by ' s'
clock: 9 h 02 min
